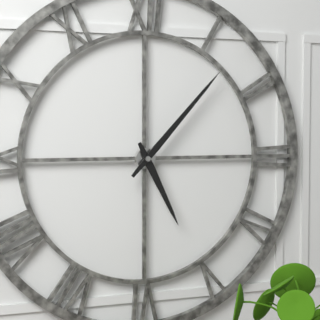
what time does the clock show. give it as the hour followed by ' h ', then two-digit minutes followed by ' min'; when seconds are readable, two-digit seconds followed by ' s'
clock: 5 h 07 min
